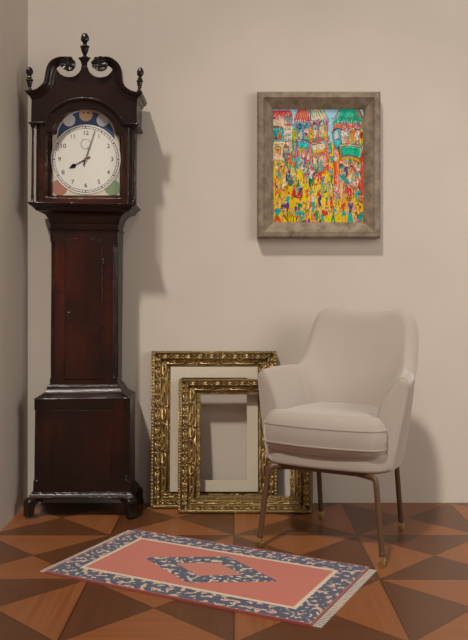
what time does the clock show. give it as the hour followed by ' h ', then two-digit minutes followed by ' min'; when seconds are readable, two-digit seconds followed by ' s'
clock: 8 h 03 min
